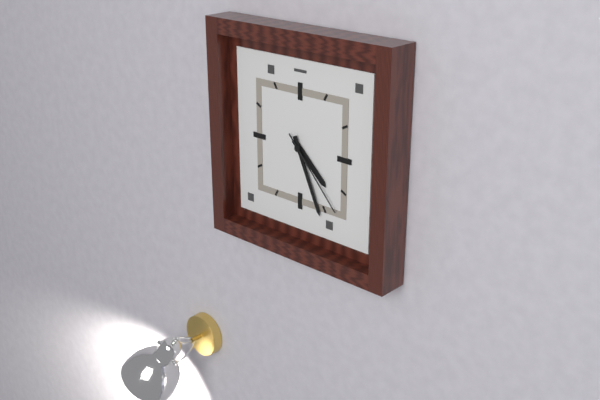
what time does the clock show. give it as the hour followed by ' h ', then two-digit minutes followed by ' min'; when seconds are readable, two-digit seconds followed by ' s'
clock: 4 h 26 min 23 s
